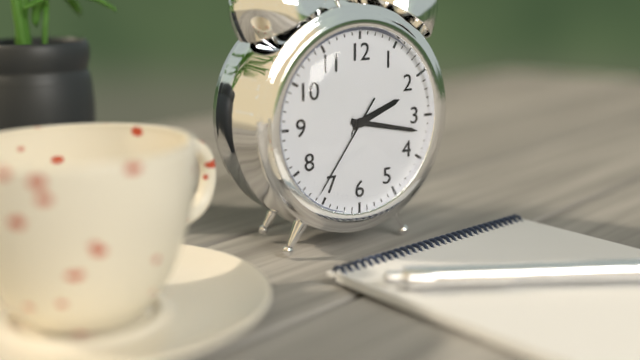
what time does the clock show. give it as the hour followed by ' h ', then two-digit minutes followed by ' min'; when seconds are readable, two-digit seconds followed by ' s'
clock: 2 h 17 min 36 s
